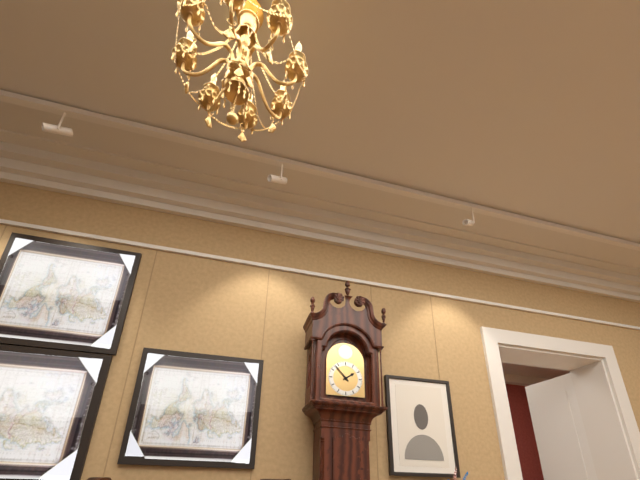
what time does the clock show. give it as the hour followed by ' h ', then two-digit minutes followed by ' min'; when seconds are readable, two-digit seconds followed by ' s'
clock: 1 h 53 min
